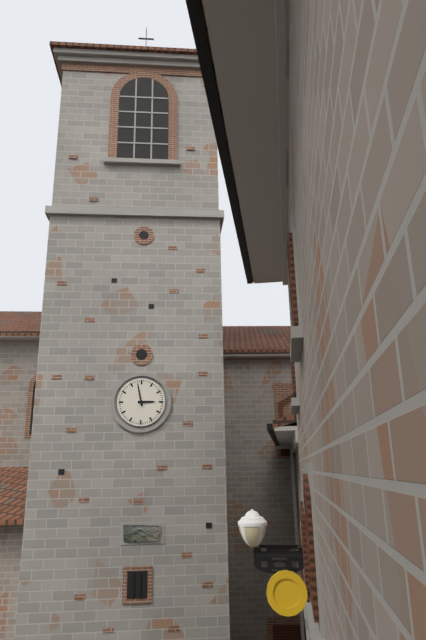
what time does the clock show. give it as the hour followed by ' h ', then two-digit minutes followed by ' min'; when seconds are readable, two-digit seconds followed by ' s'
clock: 2 h 58 min
